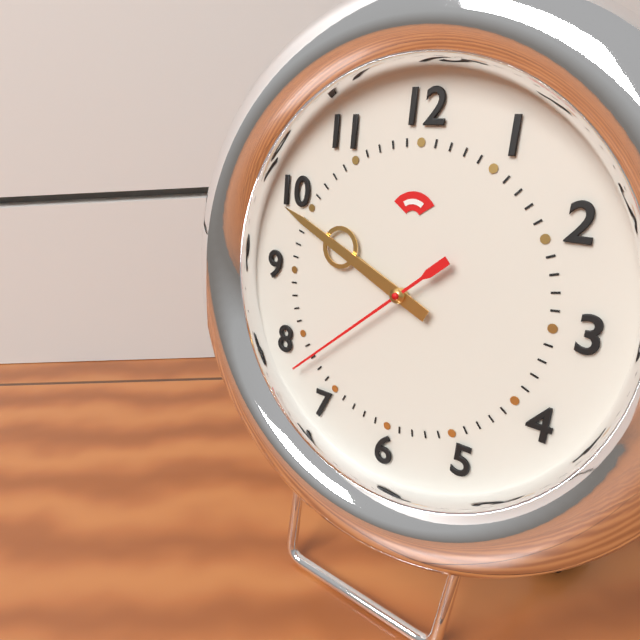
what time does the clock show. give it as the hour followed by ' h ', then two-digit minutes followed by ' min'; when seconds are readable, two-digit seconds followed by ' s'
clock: 9 h 49 min 38 s
